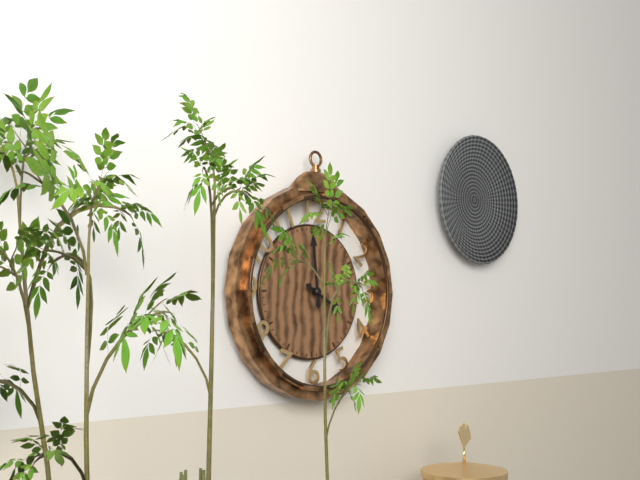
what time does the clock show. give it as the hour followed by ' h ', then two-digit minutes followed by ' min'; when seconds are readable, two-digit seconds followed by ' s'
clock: 3 h 59 min
